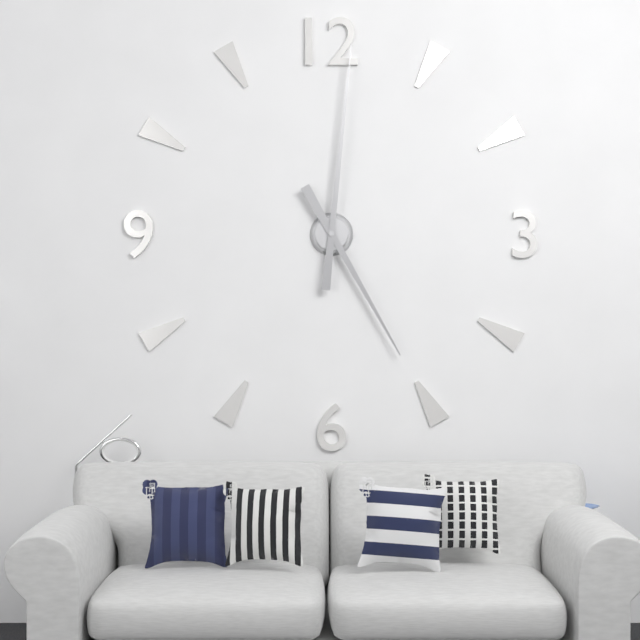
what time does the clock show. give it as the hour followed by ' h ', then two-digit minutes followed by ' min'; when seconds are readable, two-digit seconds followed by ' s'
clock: 5 h 01 min
